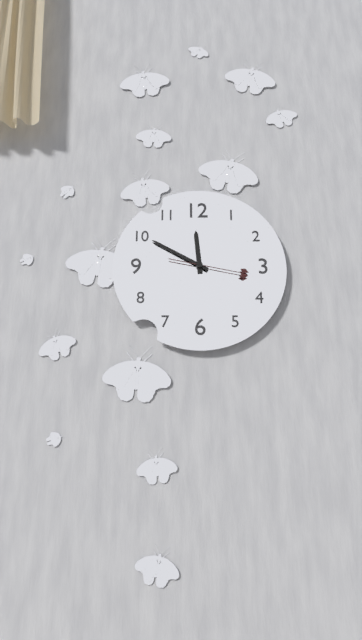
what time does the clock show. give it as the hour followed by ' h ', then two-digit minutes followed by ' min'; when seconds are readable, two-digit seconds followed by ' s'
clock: 11 h 50 min 17 s
